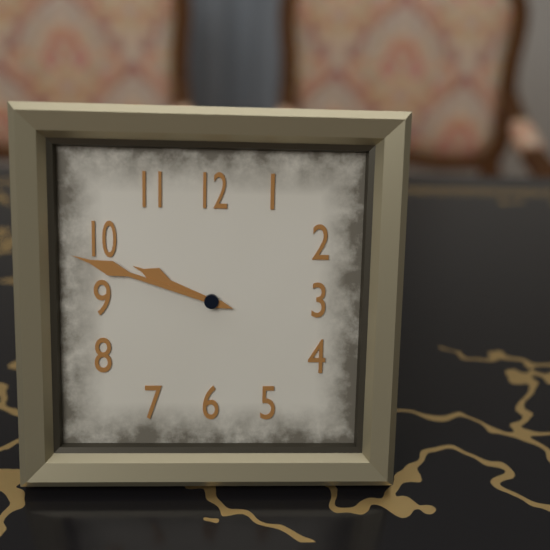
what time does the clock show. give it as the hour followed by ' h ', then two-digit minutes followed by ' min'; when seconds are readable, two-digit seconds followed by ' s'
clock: 9 h 48 min
